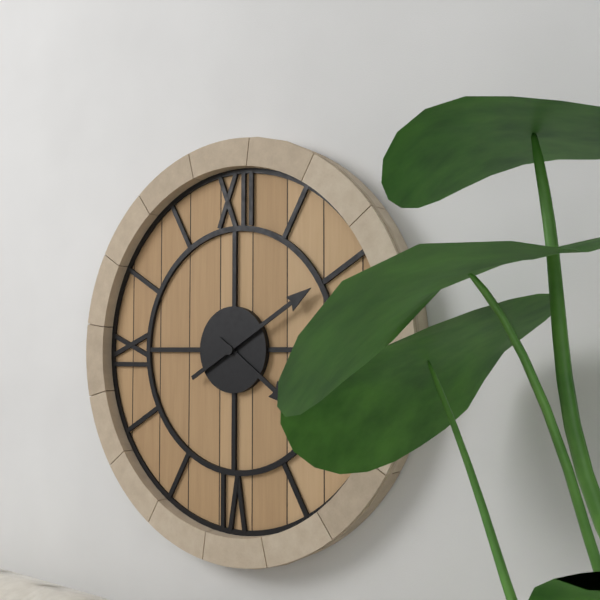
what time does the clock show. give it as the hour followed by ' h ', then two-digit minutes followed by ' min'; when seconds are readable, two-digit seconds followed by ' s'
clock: 4 h 10 min
